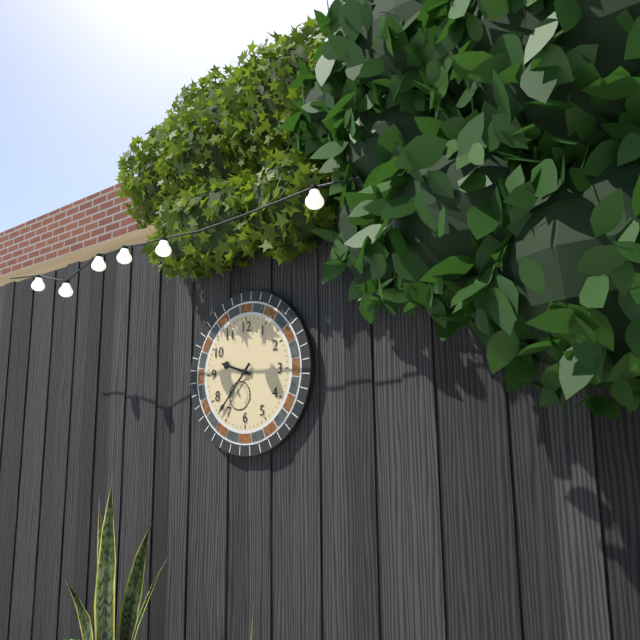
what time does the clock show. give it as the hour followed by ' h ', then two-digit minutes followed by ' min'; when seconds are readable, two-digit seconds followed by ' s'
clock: 9 h 37 min
